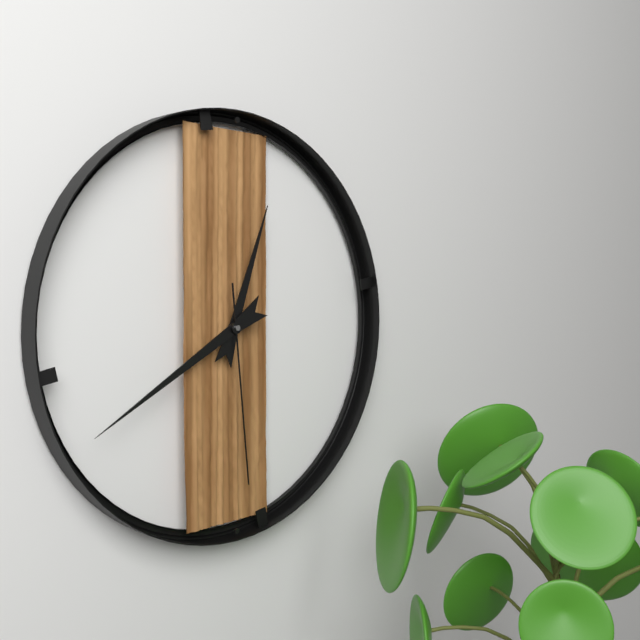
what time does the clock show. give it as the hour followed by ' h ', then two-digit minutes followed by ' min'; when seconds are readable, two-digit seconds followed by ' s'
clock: 12 h 40 min 29 s
